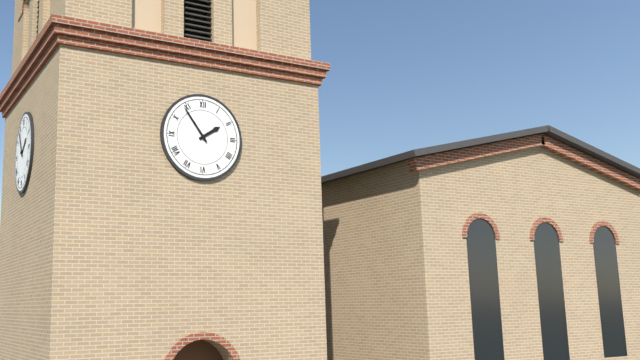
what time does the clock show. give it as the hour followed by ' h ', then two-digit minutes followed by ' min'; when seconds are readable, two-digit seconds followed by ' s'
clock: 1 h 54 min
